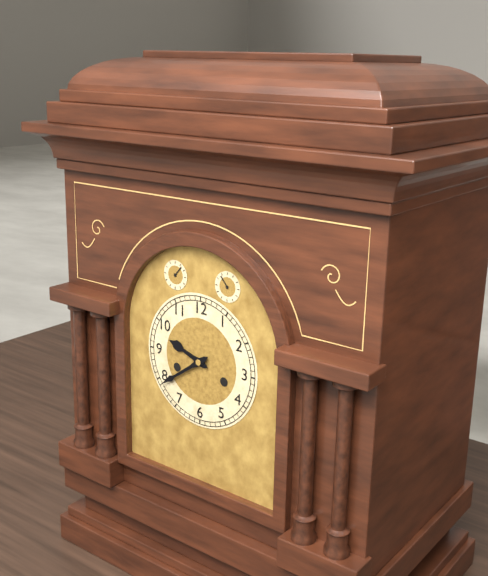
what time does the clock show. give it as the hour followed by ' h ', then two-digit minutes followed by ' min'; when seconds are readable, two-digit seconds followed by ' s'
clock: 9 h 39 min
